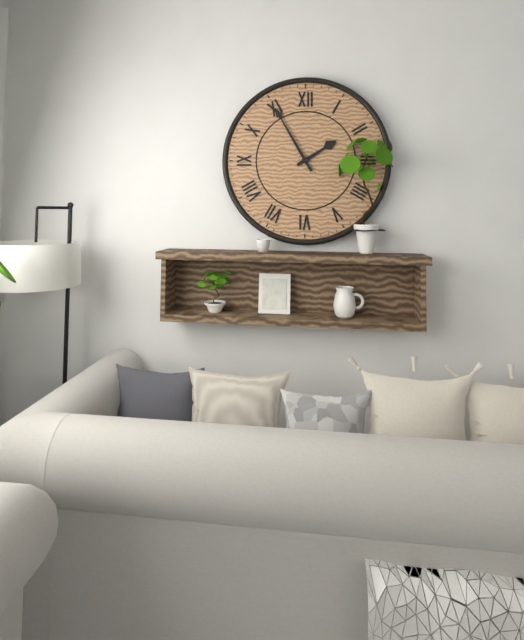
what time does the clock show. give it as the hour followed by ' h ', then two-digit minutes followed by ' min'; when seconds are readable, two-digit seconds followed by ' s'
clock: 1 h 55 min
